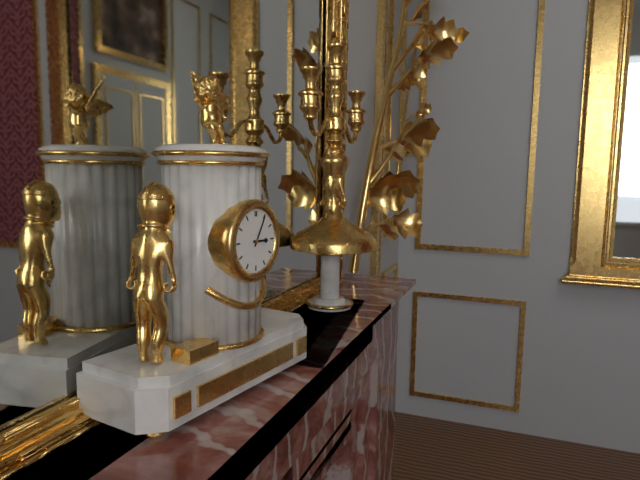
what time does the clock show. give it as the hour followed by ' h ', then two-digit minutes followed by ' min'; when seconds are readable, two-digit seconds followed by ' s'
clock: 3 h 05 min
